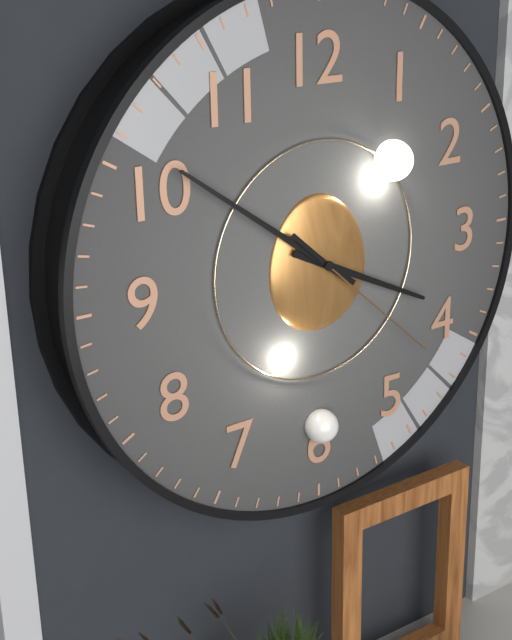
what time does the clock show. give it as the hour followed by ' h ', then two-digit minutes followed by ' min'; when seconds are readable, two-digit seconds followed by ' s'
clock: 3 h 51 min 22 s
